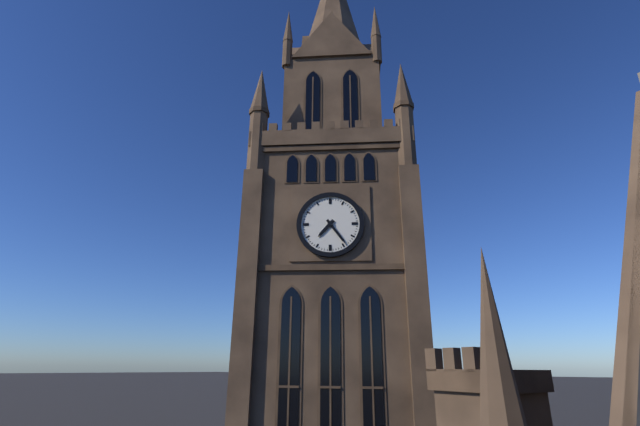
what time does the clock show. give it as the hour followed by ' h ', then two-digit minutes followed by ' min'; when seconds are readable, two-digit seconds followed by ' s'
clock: 7 h 24 min
